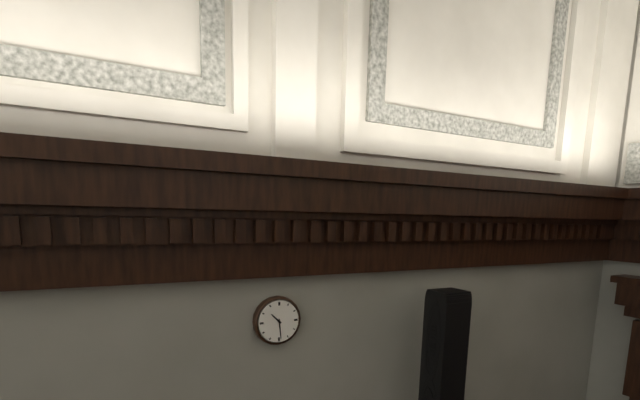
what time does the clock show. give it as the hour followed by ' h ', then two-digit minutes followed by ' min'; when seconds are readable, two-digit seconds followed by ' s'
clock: 10 h 29 min
